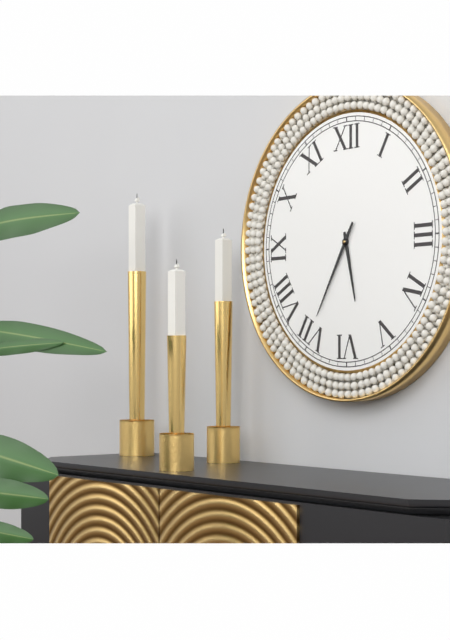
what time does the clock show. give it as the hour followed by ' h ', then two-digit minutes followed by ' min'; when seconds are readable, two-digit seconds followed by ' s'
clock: 5 h 35 min
